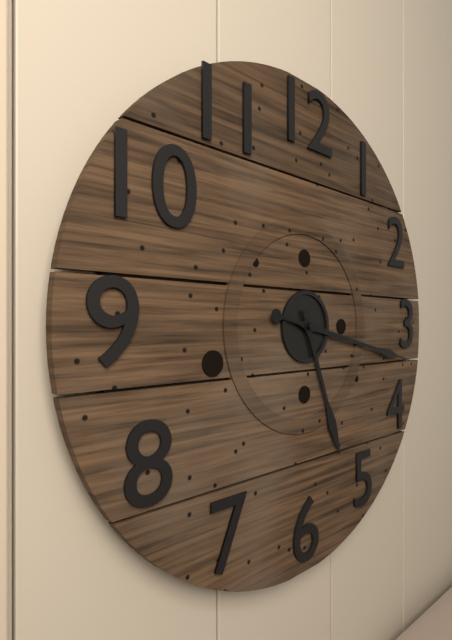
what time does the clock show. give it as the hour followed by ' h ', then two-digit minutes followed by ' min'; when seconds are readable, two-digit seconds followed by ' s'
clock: 5 h 17 min
